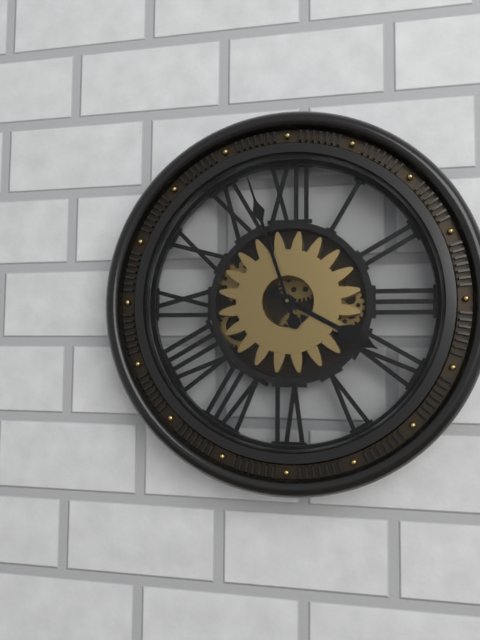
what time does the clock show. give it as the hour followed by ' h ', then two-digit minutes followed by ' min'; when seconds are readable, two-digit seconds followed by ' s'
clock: 3 h 57 min
